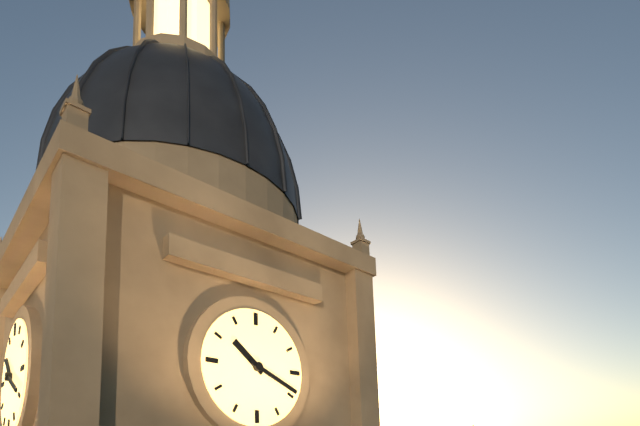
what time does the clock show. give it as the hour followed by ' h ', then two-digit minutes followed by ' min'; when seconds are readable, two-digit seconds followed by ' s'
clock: 10 h 19 min
